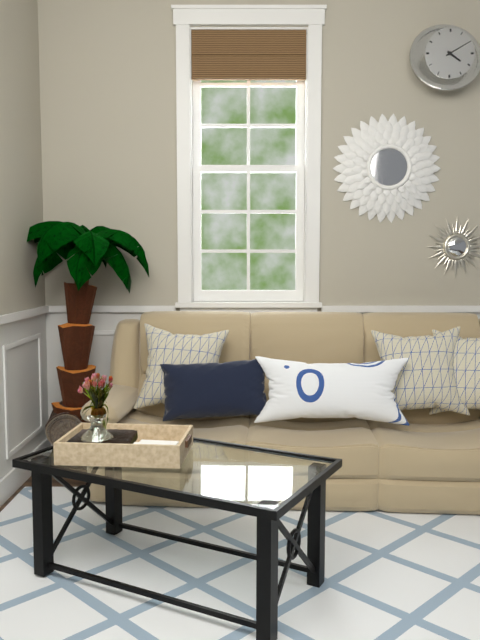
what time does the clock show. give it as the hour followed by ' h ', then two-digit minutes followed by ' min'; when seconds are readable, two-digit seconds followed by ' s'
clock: 4 h 10 min
